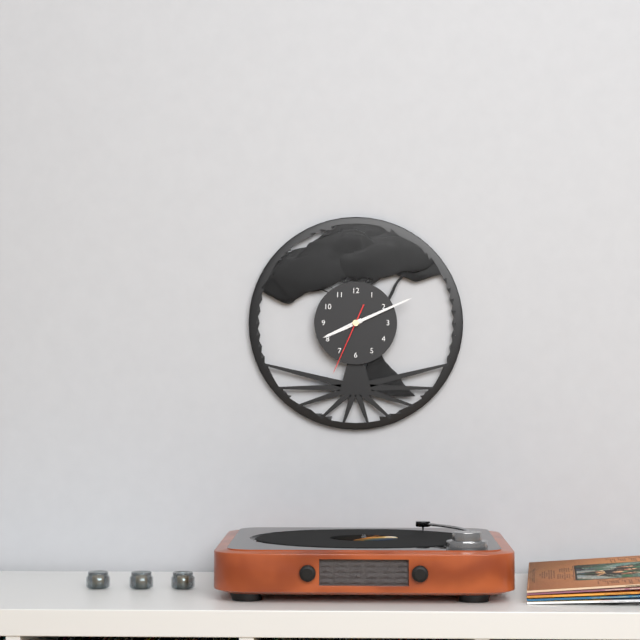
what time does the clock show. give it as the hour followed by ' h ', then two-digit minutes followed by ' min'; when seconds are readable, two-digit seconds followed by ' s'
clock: 8 h 11 min 34 s
